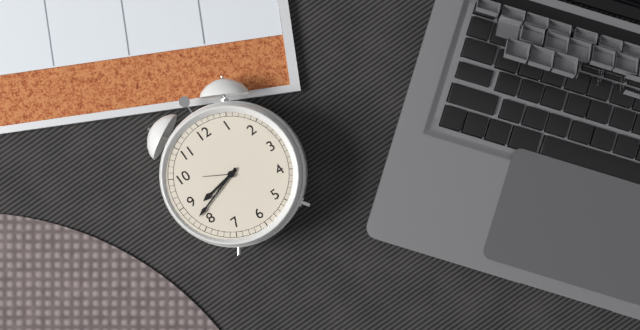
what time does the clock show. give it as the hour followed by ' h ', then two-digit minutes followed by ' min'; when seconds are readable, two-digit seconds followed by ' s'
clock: 8 h 42 min
